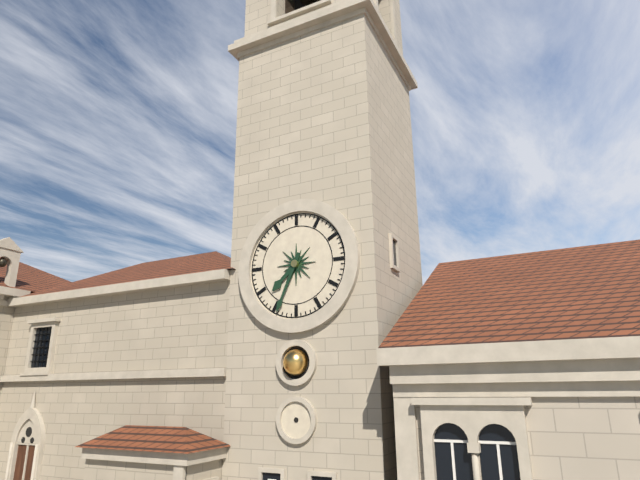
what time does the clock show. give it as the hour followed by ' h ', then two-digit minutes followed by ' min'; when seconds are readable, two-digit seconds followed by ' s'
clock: 7 h 34 min
